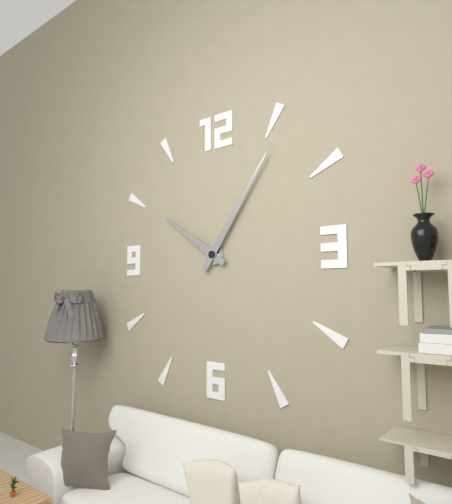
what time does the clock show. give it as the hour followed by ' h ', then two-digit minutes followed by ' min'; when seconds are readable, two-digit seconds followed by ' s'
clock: 10 h 06 min
